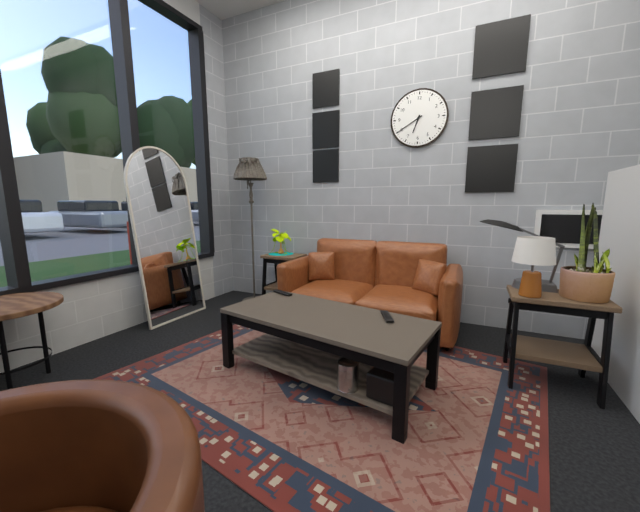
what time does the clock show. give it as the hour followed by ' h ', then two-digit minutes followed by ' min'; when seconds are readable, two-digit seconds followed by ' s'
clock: 6 h 40 min
